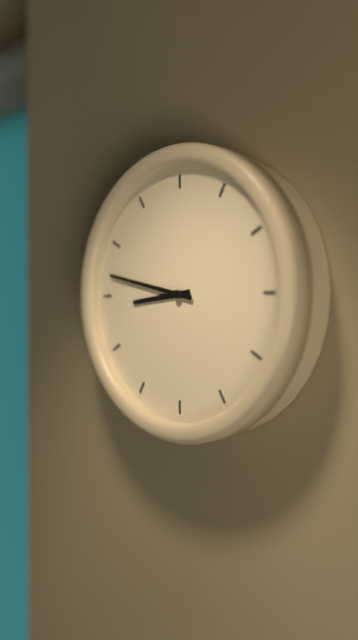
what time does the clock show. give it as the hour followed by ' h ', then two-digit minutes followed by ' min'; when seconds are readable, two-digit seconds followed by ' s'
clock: 8 h 47 min
